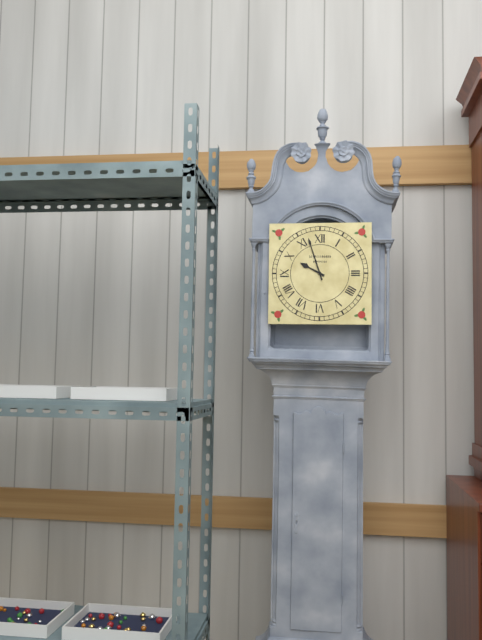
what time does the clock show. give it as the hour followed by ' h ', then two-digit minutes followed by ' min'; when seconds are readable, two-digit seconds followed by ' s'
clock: 9 h 57 min
